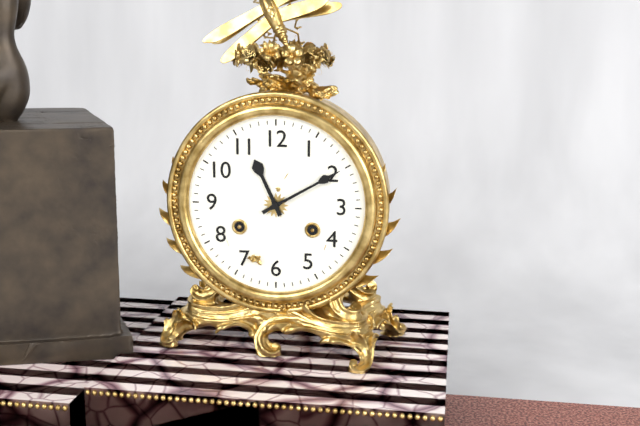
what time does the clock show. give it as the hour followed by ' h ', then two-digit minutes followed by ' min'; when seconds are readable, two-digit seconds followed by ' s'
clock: 11 h 10 min
